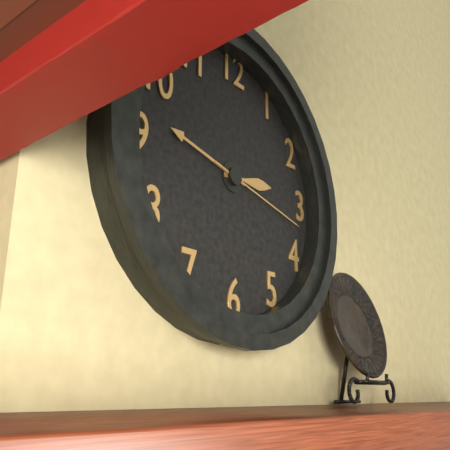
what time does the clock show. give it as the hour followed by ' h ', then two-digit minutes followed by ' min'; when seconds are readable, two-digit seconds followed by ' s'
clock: 2 h 47 min 17 s
